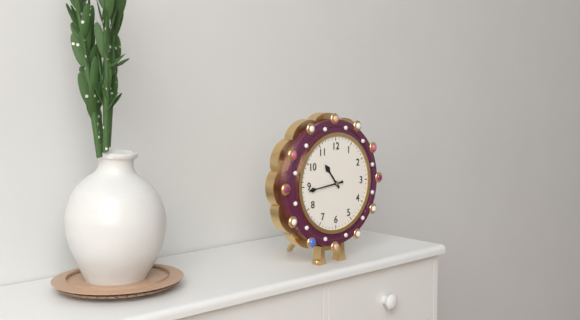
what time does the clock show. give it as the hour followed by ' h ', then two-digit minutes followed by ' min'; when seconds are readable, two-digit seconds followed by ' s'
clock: 10 h 44 min
